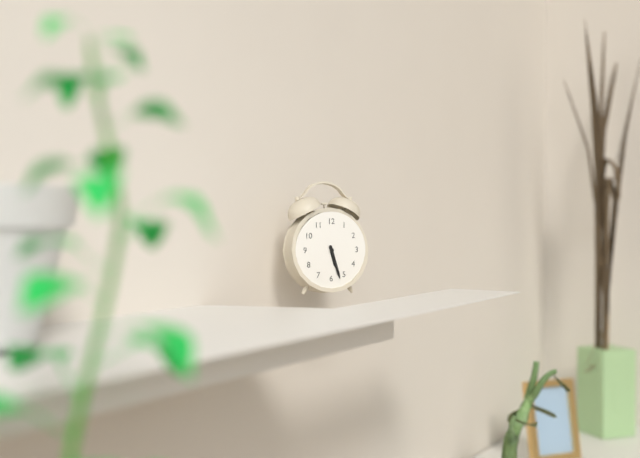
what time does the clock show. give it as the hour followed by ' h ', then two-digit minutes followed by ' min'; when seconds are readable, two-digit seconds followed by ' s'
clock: 5 h 27 min
